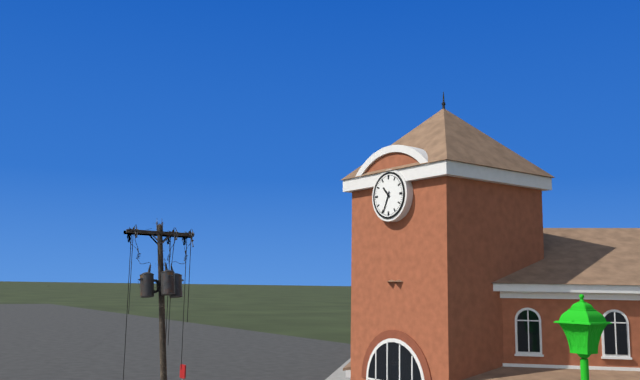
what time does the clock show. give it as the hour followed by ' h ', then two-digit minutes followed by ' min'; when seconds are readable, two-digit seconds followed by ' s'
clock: 10 h 34 min
